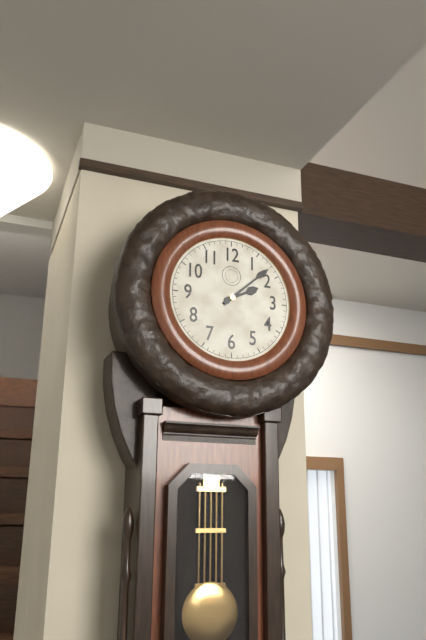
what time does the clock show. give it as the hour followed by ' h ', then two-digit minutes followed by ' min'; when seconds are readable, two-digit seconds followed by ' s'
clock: 2 h 08 min
